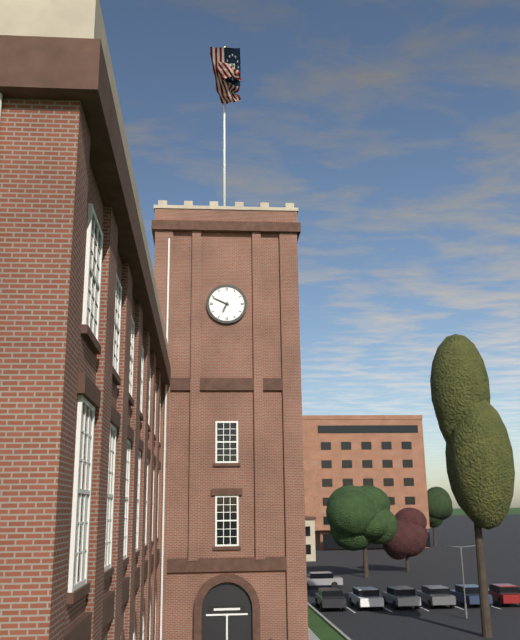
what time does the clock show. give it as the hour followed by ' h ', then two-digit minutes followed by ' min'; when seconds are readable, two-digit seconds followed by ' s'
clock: 6 h 49 min
